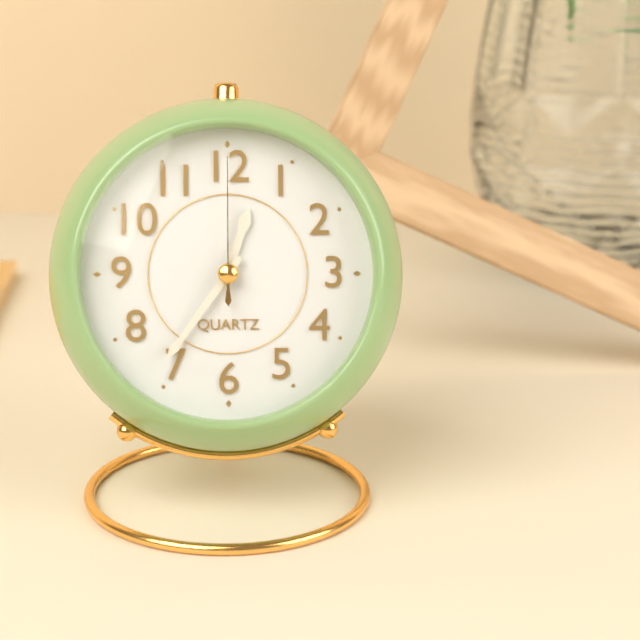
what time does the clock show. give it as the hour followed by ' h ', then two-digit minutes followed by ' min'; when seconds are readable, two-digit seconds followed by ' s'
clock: 12 h 36 min 00 s
